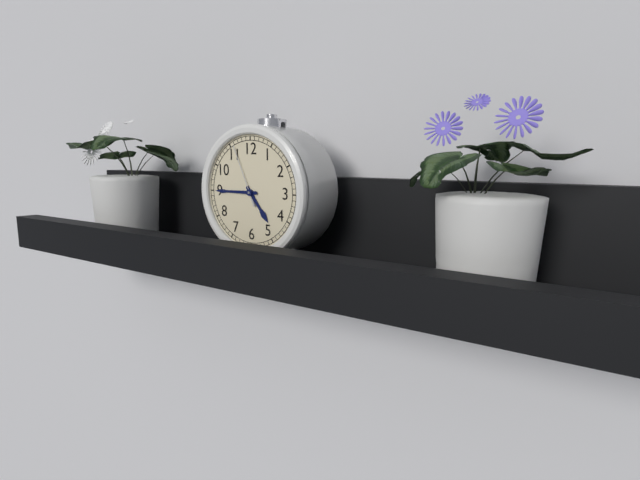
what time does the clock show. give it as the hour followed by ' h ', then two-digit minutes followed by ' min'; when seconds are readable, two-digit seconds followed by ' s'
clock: 4 h 45 min 56 s
